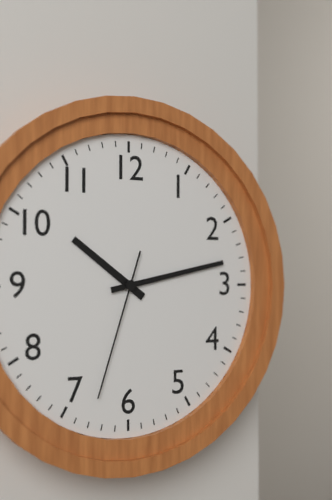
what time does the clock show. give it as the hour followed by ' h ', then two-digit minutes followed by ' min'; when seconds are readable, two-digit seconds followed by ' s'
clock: 10 h 13 min 33 s
